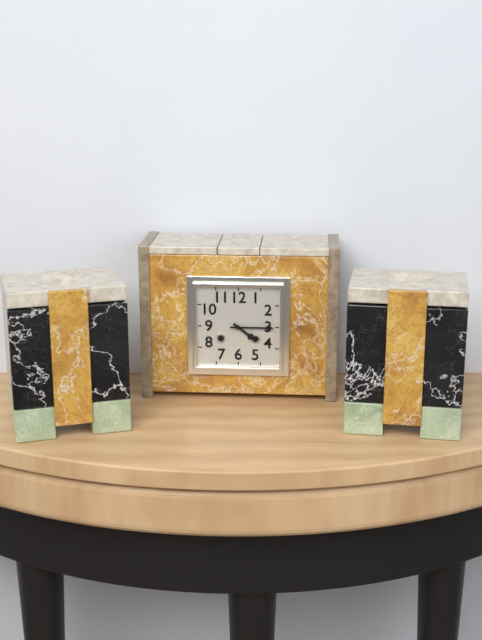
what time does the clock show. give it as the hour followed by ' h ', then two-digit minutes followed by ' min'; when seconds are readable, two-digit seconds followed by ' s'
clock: 4 h 15 min
